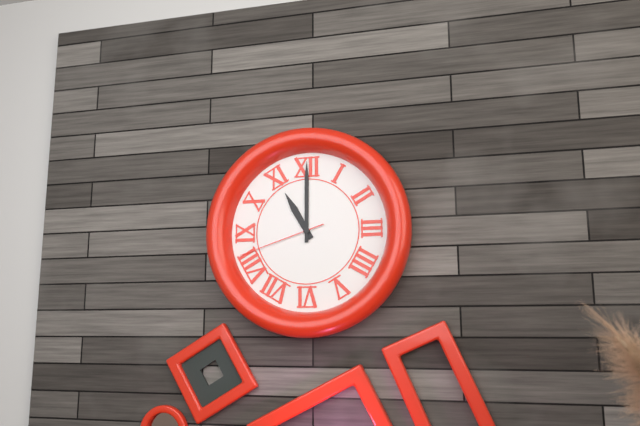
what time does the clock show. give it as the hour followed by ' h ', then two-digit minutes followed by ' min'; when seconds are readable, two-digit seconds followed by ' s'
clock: 11 h 00 min 42 s
